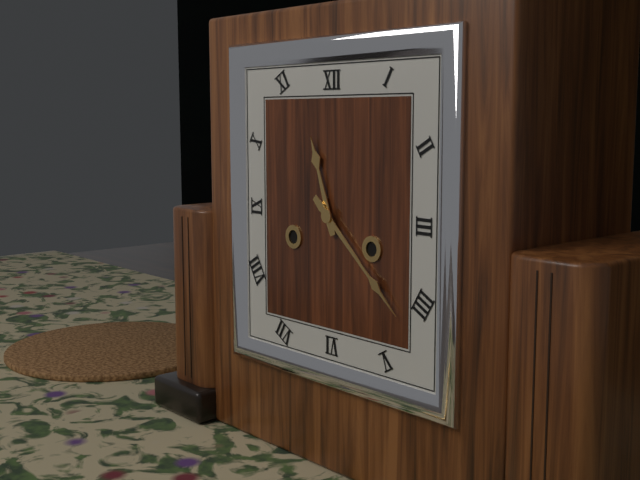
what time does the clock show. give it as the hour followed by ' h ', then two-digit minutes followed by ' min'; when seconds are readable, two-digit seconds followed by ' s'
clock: 11 h 22 min
